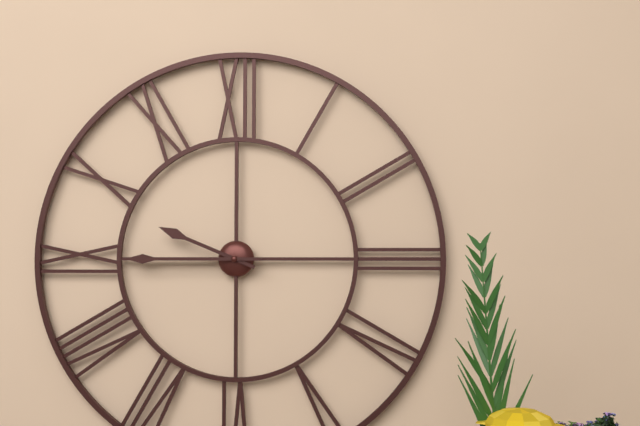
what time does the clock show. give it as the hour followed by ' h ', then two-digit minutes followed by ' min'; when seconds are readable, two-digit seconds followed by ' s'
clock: 9 h 45 min
